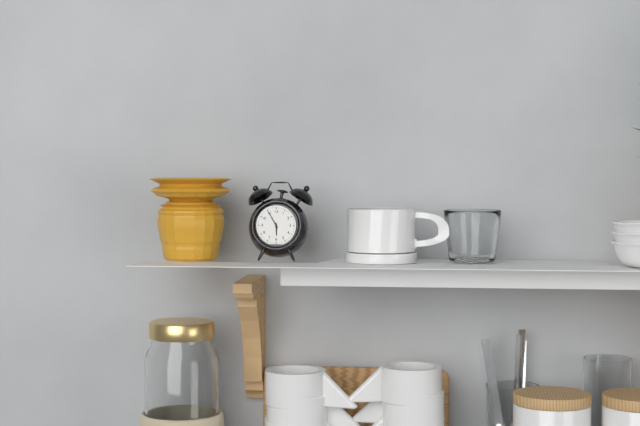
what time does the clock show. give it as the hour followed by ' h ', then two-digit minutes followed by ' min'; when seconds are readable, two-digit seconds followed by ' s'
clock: 5 h 55 min
